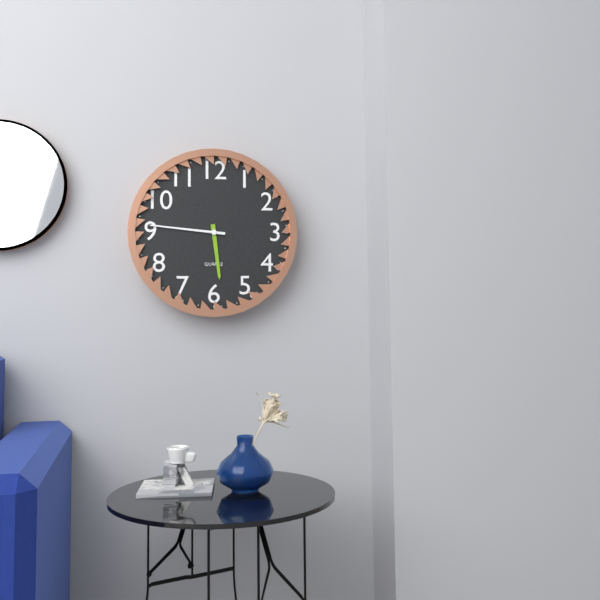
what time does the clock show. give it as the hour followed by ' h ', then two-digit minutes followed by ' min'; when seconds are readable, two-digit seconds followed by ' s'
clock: 5 h 46 min
